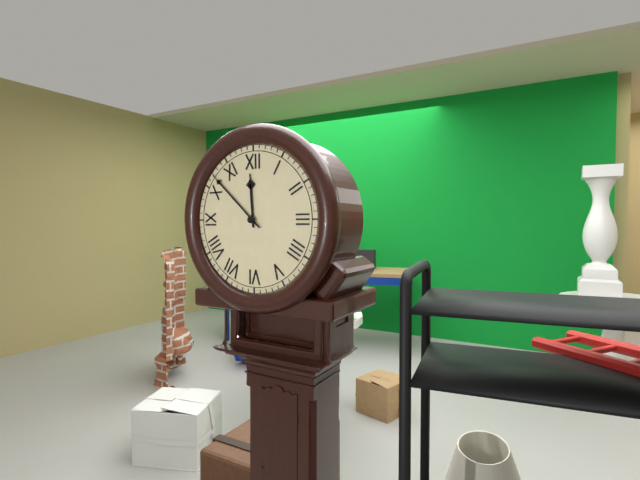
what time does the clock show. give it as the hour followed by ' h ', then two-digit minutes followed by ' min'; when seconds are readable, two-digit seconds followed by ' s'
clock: 11 h 52 min
